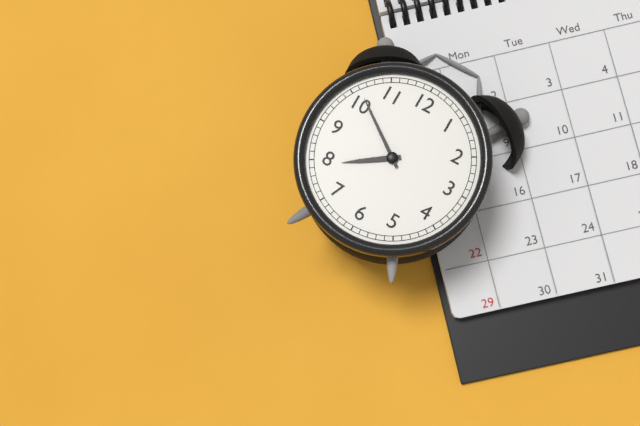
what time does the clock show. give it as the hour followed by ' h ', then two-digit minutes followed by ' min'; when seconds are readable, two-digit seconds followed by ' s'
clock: 7 h 51 min
